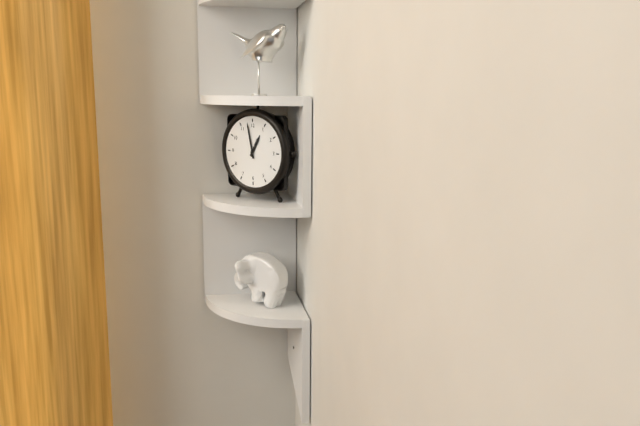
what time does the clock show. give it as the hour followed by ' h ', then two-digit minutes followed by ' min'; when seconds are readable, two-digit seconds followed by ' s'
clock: 12 h 58 min
